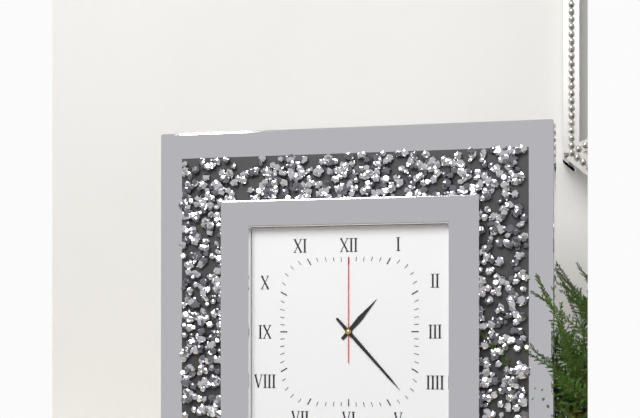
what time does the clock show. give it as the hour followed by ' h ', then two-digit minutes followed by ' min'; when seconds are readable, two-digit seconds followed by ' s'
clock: 1 h 23 min 00 s
